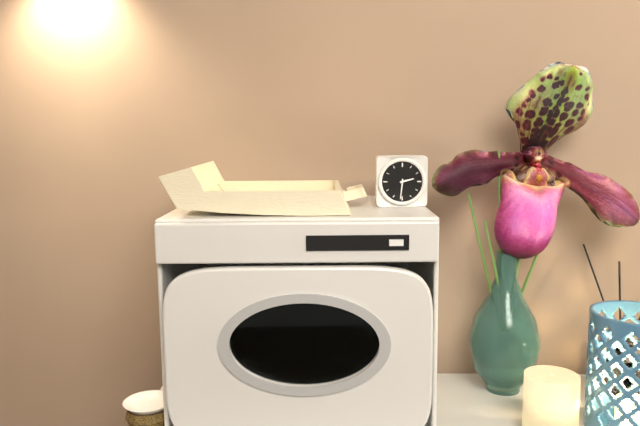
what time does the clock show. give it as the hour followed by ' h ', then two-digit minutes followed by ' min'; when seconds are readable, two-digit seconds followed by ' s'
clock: 2 h 31 min
